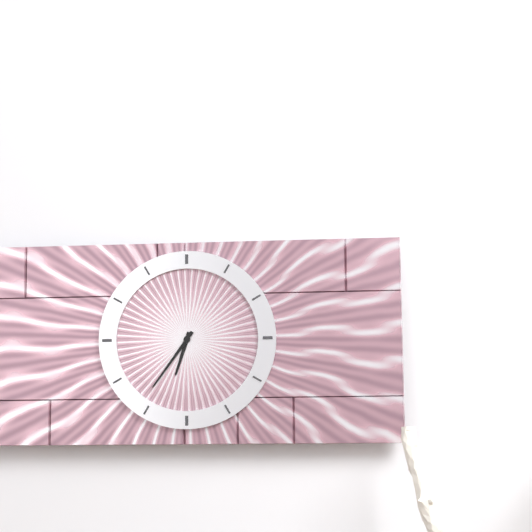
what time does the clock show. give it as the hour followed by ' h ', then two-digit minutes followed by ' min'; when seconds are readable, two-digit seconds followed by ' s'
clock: 6 h 36 min
